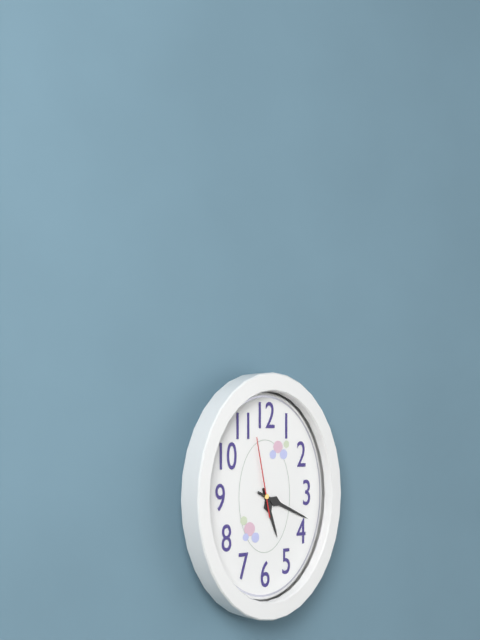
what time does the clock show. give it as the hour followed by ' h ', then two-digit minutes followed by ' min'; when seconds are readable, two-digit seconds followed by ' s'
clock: 5 h 19 min 58 s
